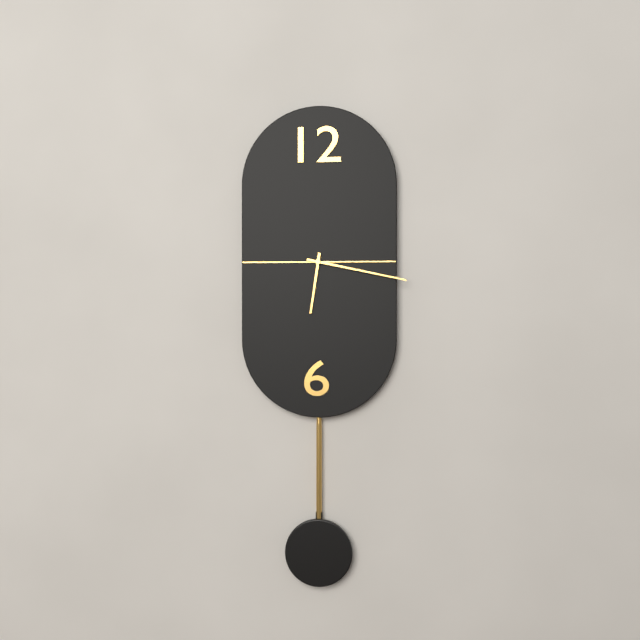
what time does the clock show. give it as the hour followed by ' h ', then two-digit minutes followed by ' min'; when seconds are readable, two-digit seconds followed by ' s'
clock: 6 h 17 min
